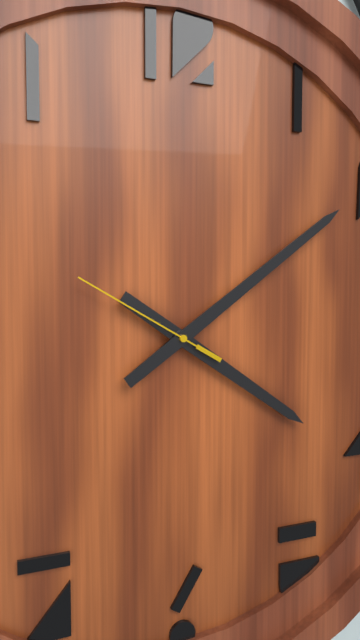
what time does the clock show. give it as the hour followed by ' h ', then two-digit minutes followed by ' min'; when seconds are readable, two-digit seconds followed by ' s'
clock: 4 h 09 min 50 s
